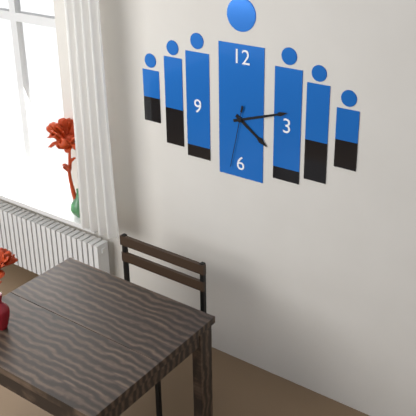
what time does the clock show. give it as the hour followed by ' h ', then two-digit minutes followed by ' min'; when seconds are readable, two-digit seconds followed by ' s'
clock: 4 h 12 min 32 s
